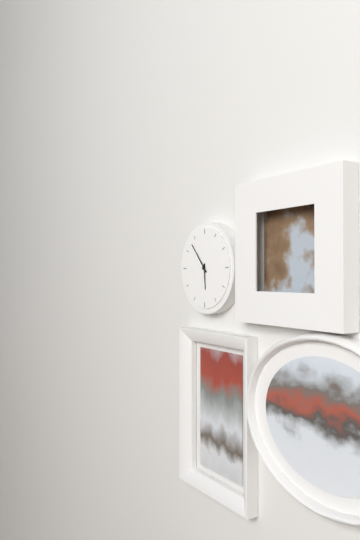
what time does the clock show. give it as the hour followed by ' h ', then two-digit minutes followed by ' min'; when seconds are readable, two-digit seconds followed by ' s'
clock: 5 h 53 min
